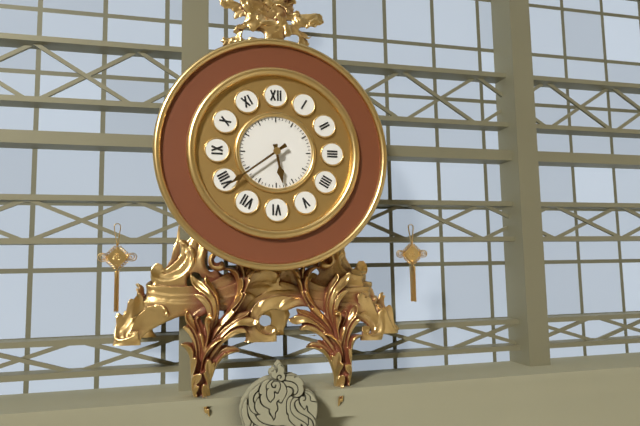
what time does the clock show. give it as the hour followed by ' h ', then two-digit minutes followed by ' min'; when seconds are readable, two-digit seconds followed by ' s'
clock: 5 h 39 min
